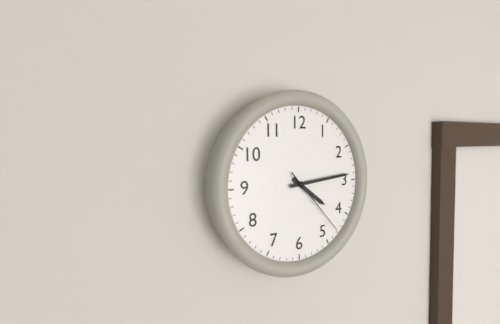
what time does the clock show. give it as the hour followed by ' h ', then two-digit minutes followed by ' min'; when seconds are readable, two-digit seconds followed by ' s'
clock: 4 h 14 min 23 s
